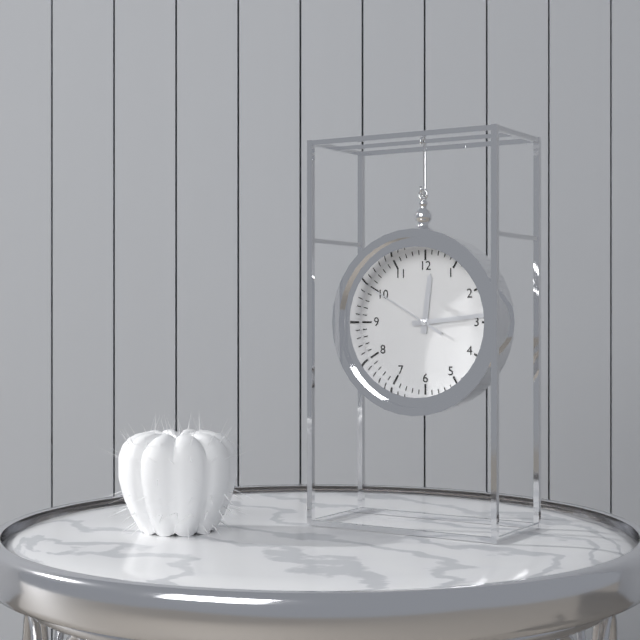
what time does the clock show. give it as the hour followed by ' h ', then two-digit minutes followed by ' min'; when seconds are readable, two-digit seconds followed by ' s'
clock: 12 h 14 min 50 s
